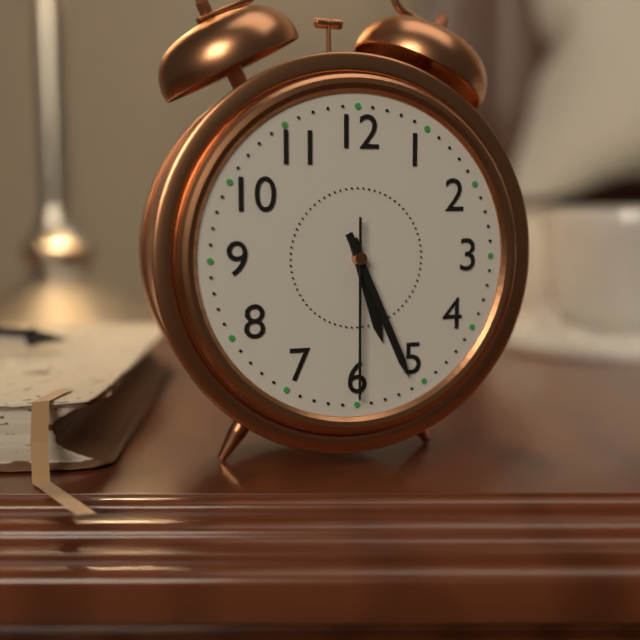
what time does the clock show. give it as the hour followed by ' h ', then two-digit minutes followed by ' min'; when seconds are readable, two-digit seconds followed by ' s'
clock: 5 h 26 min 30 s
